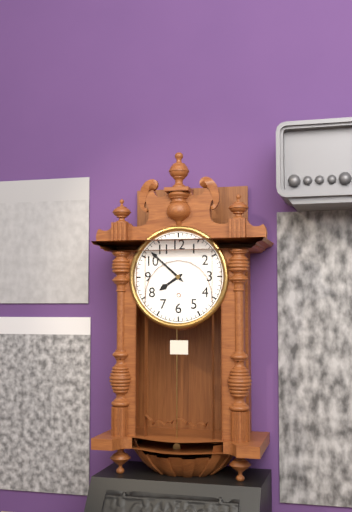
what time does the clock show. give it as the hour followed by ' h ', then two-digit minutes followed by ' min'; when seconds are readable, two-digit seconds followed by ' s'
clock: 7 h 52 min
